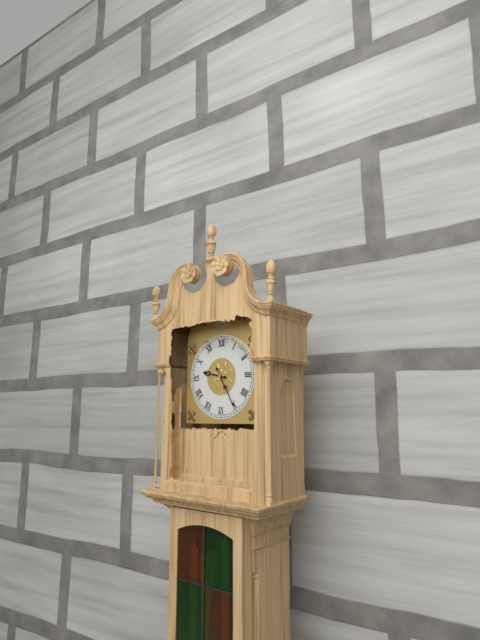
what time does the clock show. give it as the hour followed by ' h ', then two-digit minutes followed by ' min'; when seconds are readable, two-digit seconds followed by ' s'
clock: 9 h 25 min
